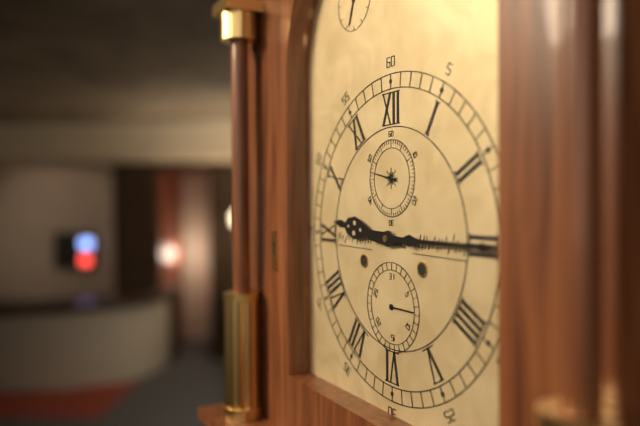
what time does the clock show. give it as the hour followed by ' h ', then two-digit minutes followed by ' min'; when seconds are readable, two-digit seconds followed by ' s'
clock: 9 h 15 min
